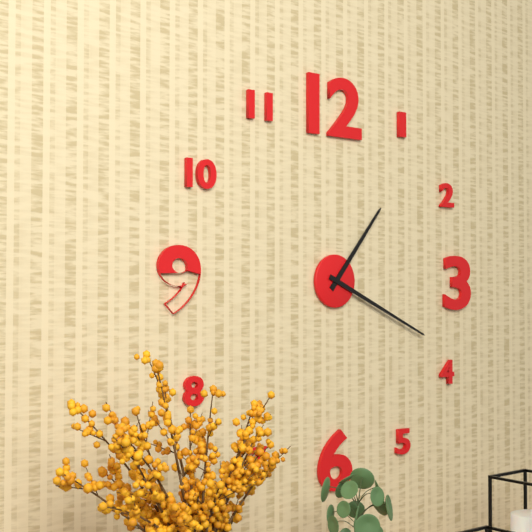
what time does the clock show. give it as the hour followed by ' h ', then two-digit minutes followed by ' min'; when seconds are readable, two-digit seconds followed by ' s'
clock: 1 h 19 min
